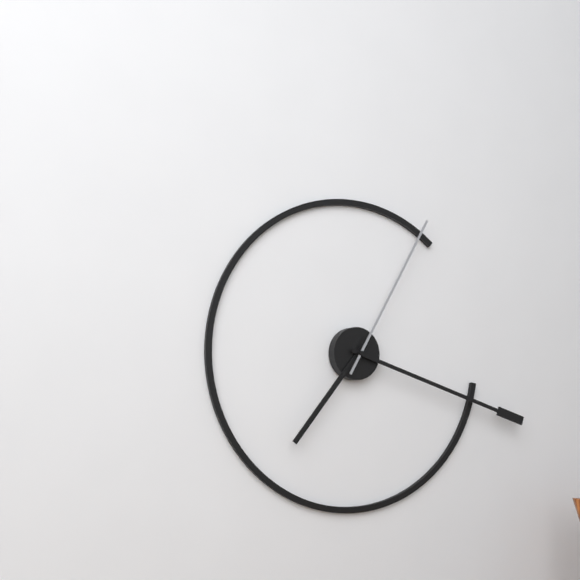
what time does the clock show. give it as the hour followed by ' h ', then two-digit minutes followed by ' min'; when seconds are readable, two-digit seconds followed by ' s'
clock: 7 h 18 min 05 s
